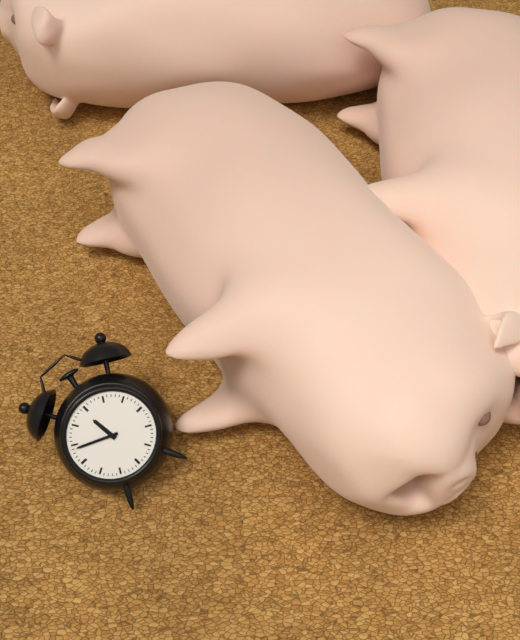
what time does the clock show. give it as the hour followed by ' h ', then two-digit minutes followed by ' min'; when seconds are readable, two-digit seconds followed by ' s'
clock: 11 h 49 min
